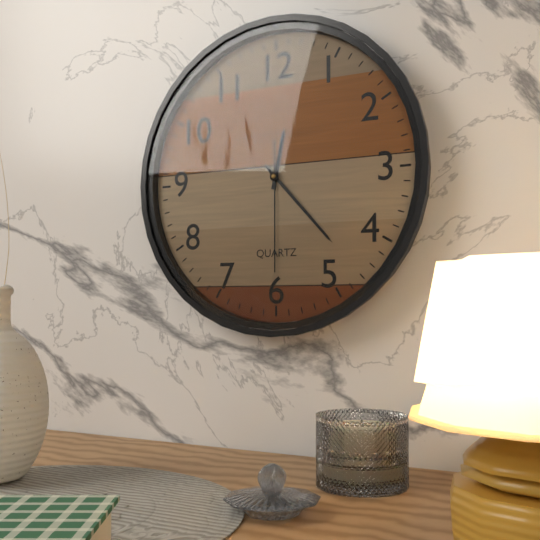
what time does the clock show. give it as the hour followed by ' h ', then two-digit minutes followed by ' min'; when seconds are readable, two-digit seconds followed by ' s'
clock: 12 h 23 min 30 s
